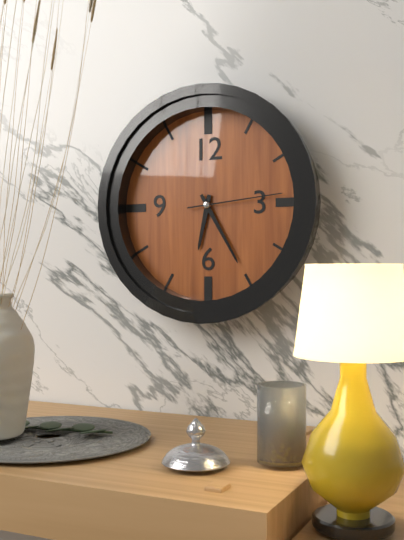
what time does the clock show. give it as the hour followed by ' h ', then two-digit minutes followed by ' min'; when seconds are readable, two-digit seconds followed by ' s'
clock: 6 h 25 min 14 s
